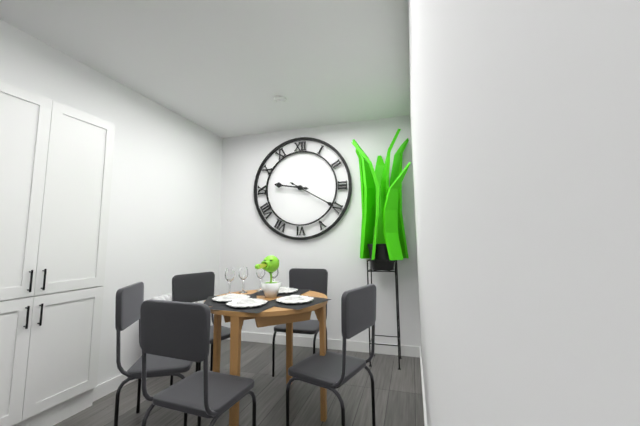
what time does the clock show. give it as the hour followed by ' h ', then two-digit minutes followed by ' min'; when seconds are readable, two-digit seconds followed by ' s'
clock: 9 h 20 min
